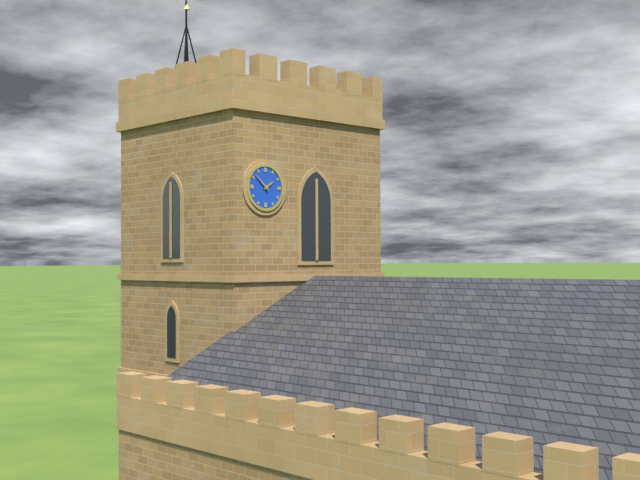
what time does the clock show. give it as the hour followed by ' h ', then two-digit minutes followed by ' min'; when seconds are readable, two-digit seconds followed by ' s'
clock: 1 h 52 min
